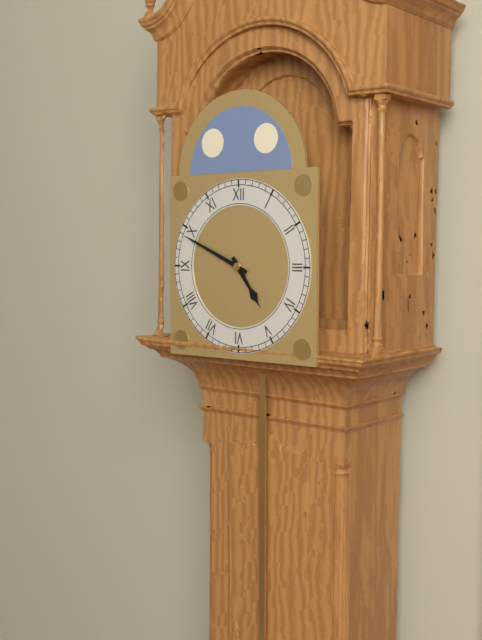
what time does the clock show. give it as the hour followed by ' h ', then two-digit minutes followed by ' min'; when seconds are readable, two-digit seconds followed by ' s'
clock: 4 h 49 min
